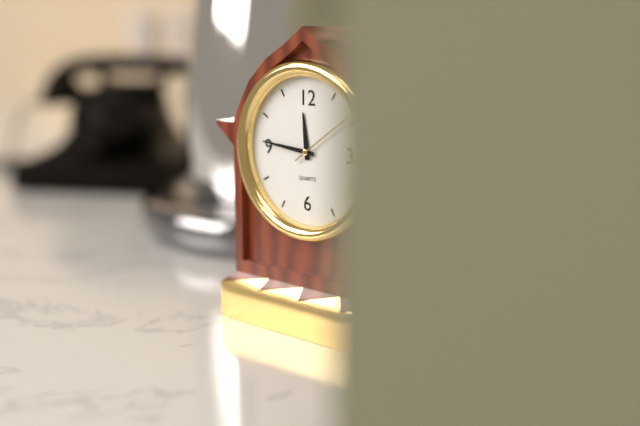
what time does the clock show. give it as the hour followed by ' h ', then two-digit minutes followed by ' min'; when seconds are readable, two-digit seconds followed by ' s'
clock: 11 h 46 min
